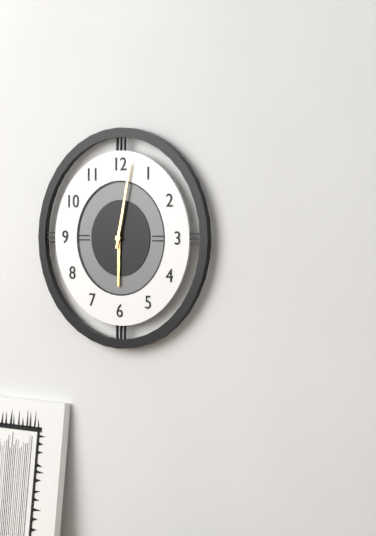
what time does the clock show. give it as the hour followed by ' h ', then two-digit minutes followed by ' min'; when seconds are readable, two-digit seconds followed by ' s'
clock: 6 h 02 min
